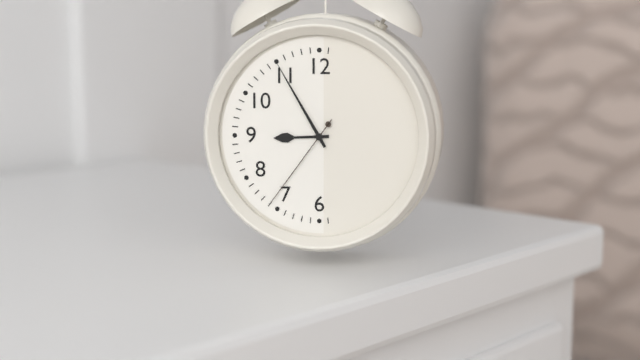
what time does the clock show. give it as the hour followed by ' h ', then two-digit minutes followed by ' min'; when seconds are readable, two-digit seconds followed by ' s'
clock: 8 h 55 min 36 s
